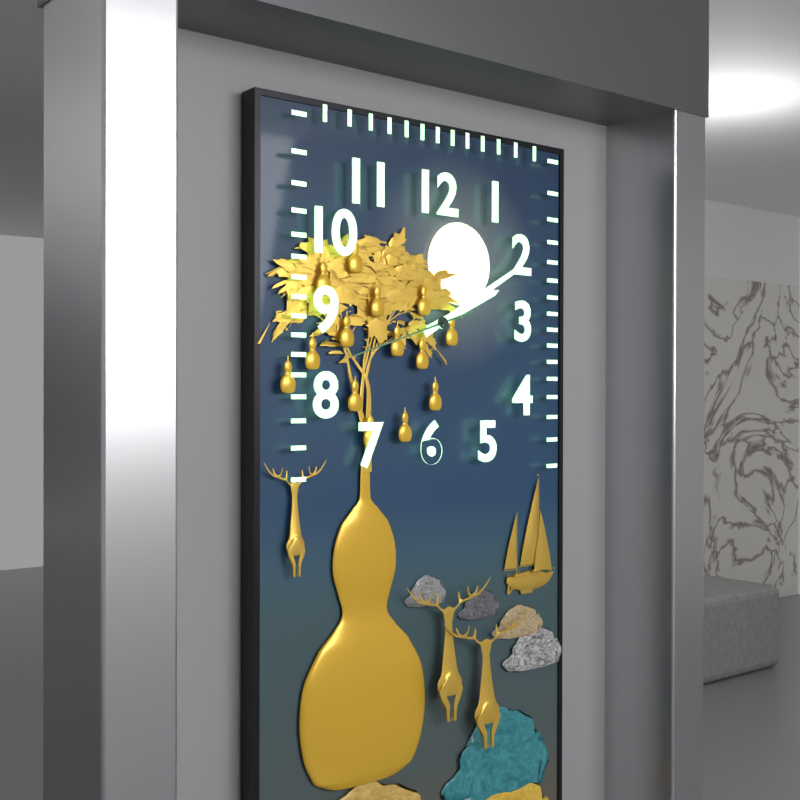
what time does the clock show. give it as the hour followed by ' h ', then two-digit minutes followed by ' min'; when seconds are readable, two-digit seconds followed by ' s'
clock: 2 h 10 min 42 s
